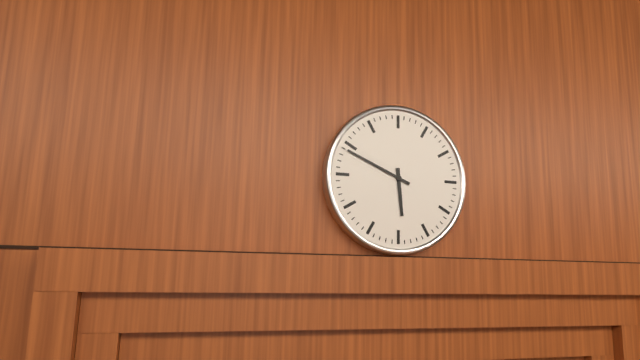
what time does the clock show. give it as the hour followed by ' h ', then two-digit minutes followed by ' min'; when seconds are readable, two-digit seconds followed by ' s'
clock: 5 h 49 min
